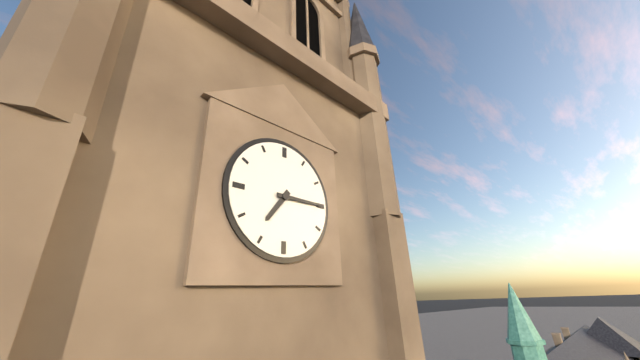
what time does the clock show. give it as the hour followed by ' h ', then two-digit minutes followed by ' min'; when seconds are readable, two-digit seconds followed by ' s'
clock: 7 h 15 min
